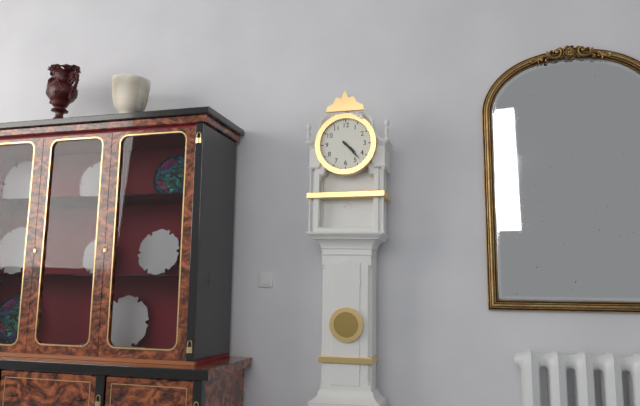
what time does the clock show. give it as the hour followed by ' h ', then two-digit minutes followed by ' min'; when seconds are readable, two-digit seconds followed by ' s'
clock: 4 h 23 min
